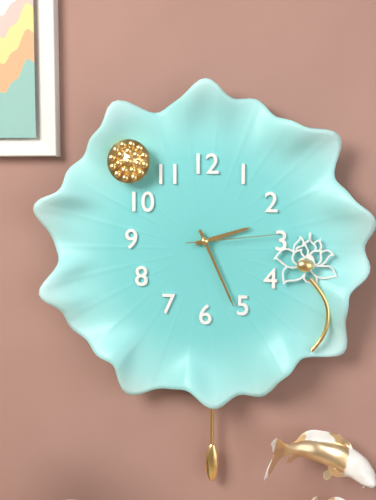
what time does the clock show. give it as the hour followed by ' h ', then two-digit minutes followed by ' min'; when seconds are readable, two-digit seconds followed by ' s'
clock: 2 h 26 min 14 s
